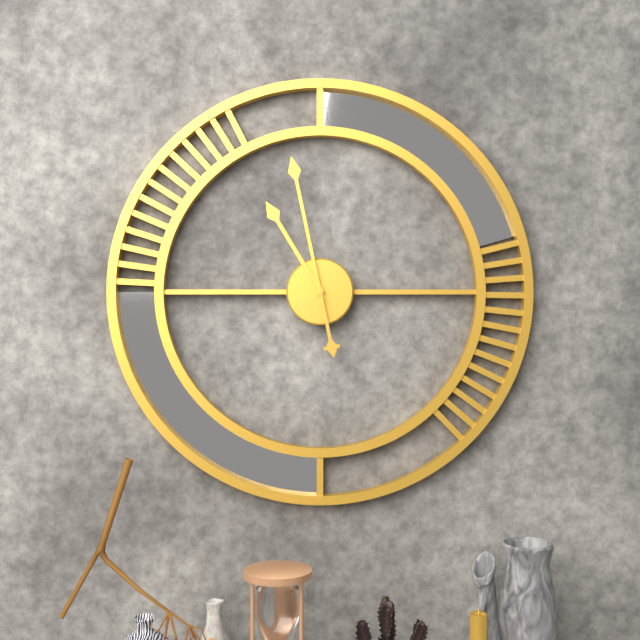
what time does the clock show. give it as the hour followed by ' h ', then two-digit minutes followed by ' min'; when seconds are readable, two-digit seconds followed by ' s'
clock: 10 h 58 min
